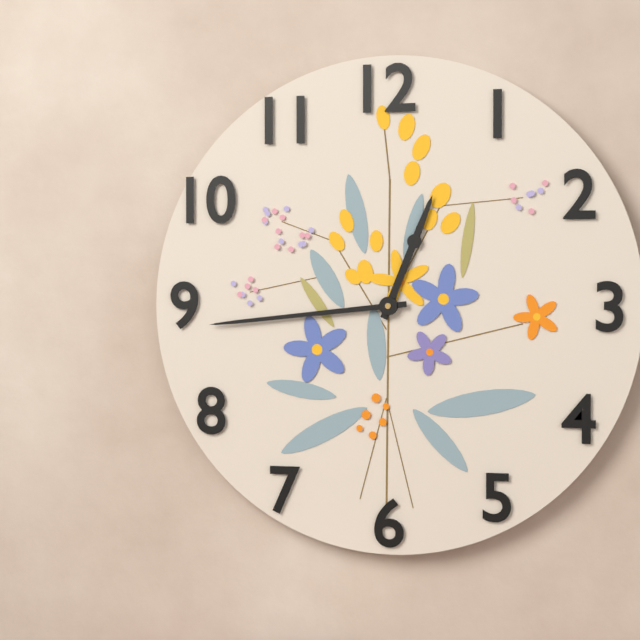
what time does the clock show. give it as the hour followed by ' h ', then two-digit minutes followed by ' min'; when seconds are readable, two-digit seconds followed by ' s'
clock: 12 h 44 min
